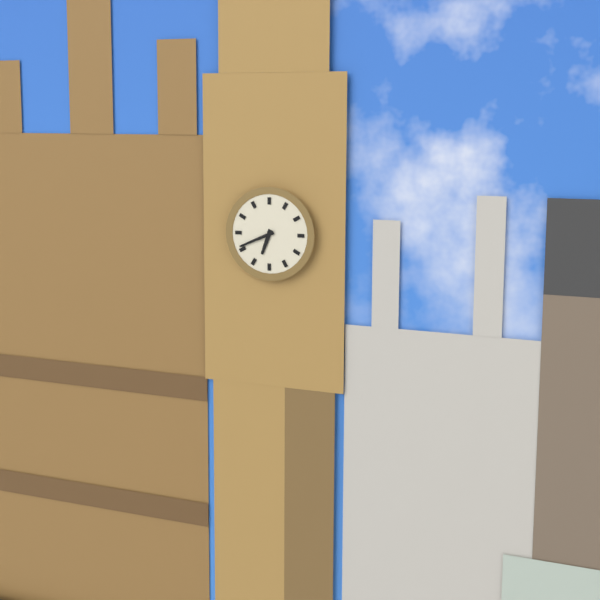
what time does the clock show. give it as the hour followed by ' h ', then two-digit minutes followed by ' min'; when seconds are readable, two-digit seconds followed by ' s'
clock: 6 h 41 min
